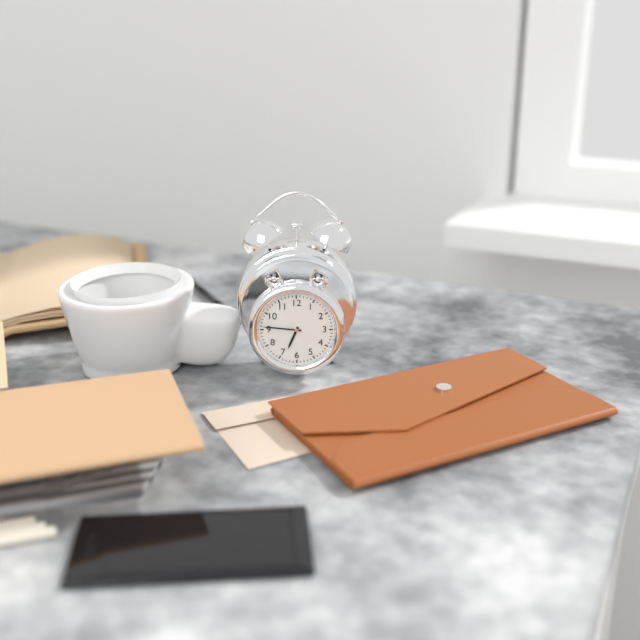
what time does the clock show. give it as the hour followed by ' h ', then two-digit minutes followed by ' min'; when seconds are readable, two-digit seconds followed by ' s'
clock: 6 h 46 min
